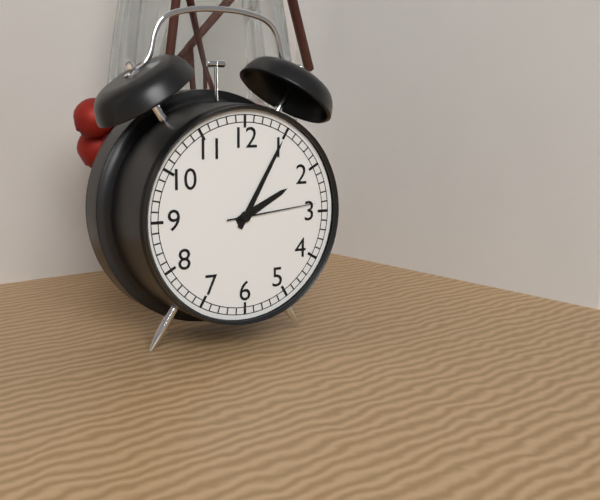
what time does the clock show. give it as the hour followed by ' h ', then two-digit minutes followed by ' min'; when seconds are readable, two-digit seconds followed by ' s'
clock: 2 h 05 min 14 s
